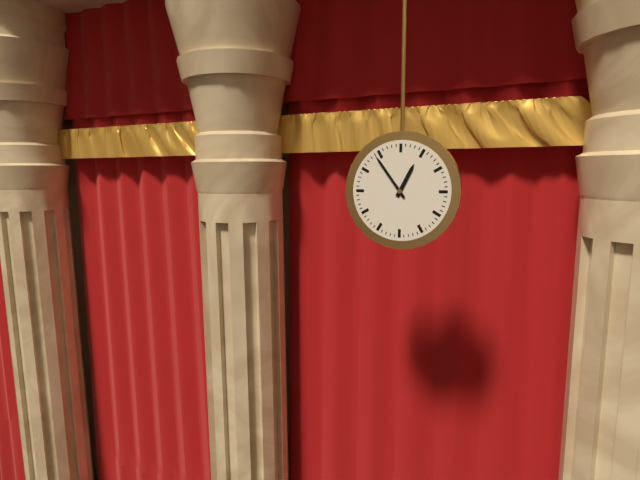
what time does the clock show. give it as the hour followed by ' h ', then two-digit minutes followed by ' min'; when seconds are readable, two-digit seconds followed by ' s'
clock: 12 h 54 min
